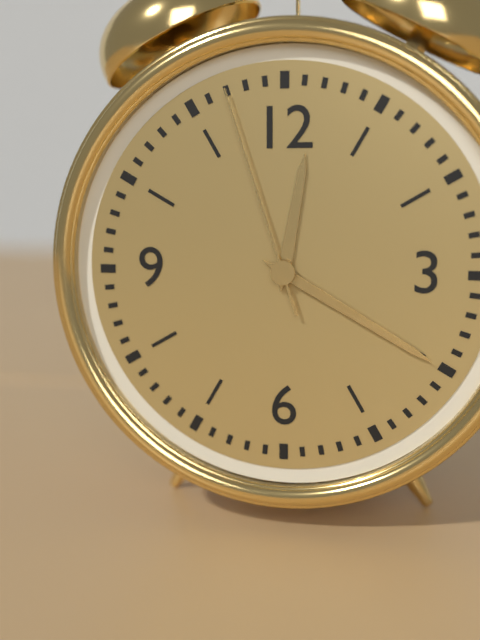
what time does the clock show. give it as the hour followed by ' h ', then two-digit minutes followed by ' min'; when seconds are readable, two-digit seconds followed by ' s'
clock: 12 h 20 min 57 s
